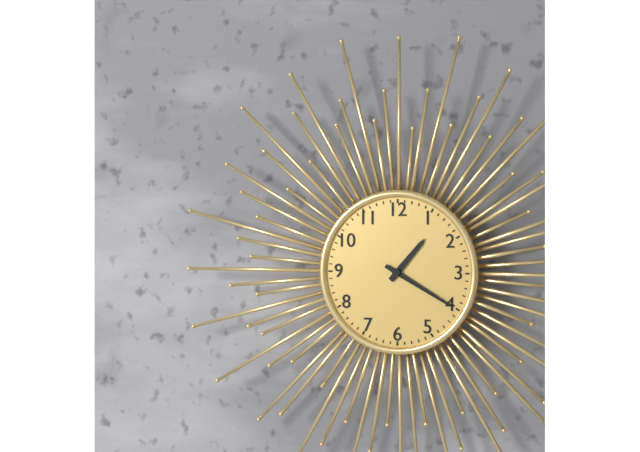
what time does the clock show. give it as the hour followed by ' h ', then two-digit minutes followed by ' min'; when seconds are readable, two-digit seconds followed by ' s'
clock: 1 h 20 min
